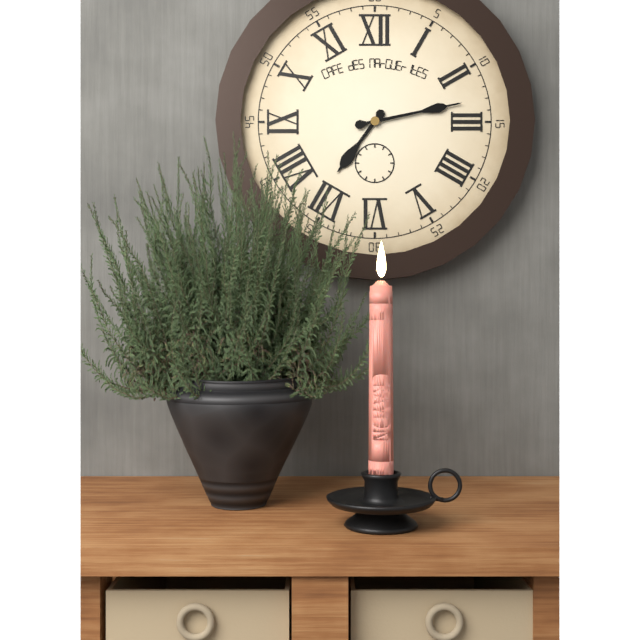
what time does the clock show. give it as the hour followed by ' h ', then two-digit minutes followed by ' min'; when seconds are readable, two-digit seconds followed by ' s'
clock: 7 h 13 min
